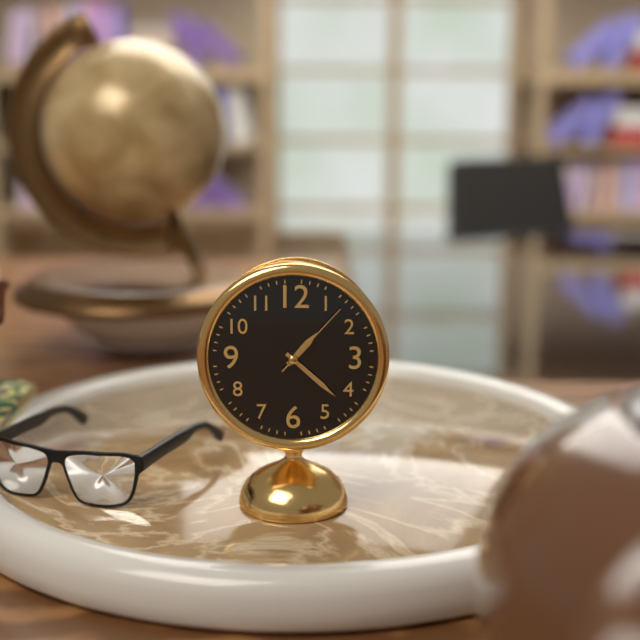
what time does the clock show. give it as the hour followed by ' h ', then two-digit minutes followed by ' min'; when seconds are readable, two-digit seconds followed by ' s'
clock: 1 h 22 min 07 s
